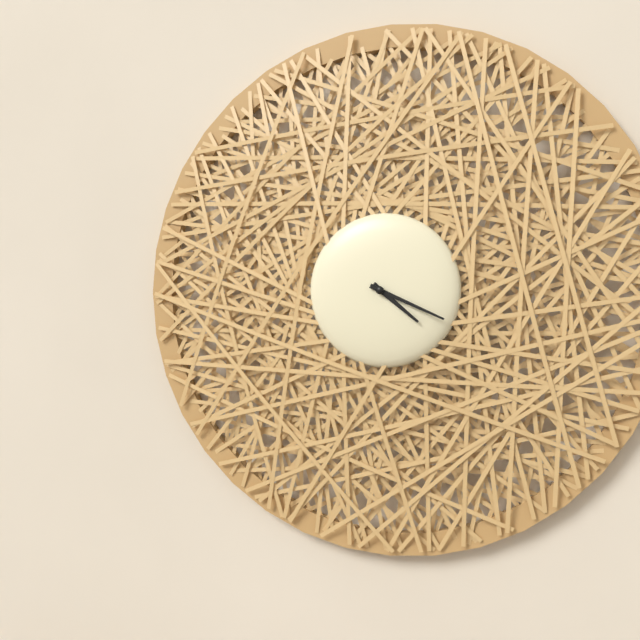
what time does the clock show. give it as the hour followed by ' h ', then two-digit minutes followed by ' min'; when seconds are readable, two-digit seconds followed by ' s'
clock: 4 h 19 min
